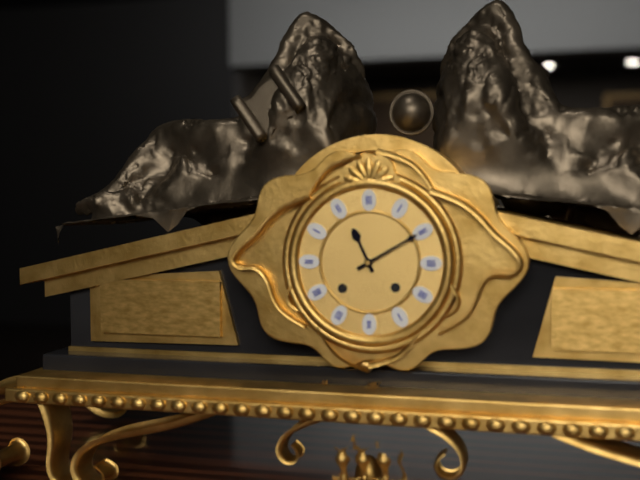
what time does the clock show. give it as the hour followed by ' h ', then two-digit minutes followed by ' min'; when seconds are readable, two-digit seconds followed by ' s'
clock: 11 h 10 min
